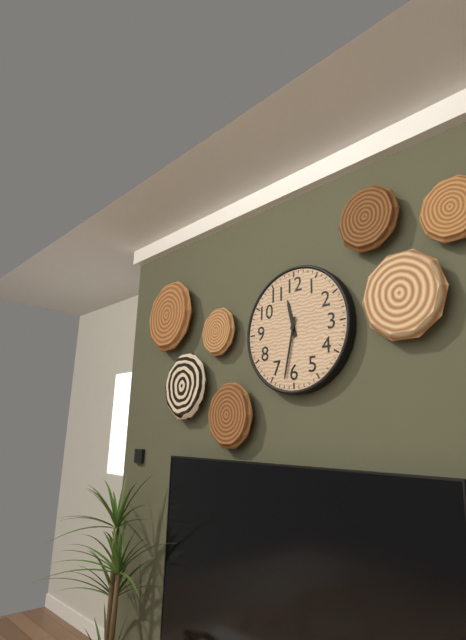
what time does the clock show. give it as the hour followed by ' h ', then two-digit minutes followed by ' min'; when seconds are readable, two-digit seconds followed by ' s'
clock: 11 h 32 min
